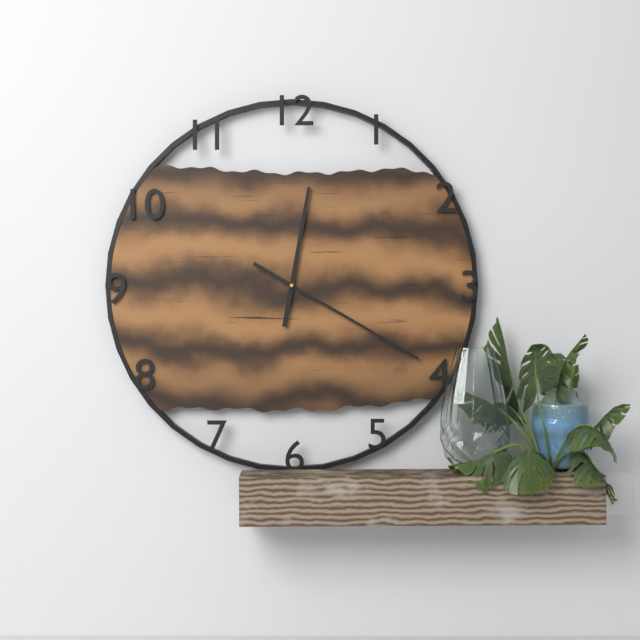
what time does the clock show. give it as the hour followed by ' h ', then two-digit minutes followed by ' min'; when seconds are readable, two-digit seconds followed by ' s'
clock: 12 h 20 min
